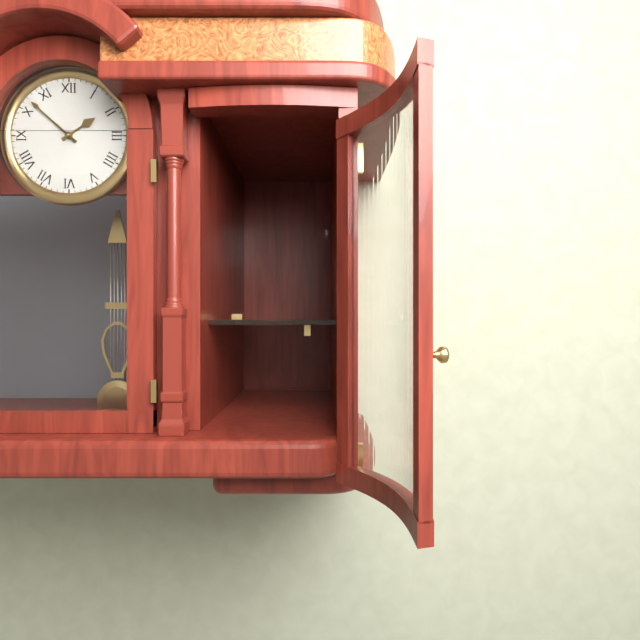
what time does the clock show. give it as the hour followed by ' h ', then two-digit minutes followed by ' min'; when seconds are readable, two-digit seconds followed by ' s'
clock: 1 h 52 min
